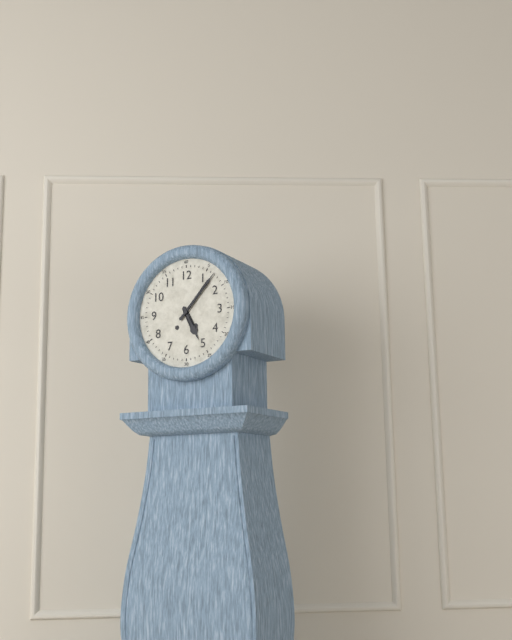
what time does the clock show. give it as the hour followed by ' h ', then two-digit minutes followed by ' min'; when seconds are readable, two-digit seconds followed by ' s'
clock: 5 h 07 min
